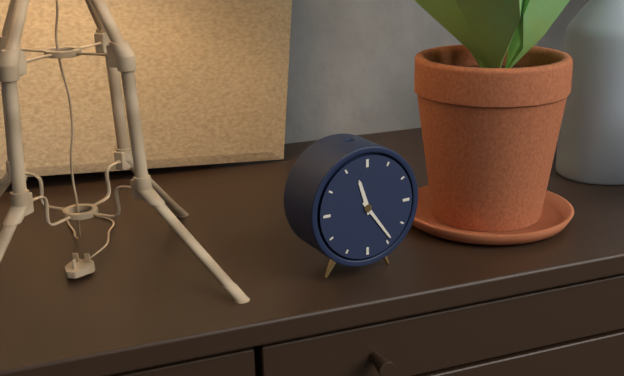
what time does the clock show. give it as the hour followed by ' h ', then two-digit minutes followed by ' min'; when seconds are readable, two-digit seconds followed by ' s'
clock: 11 h 24 min
